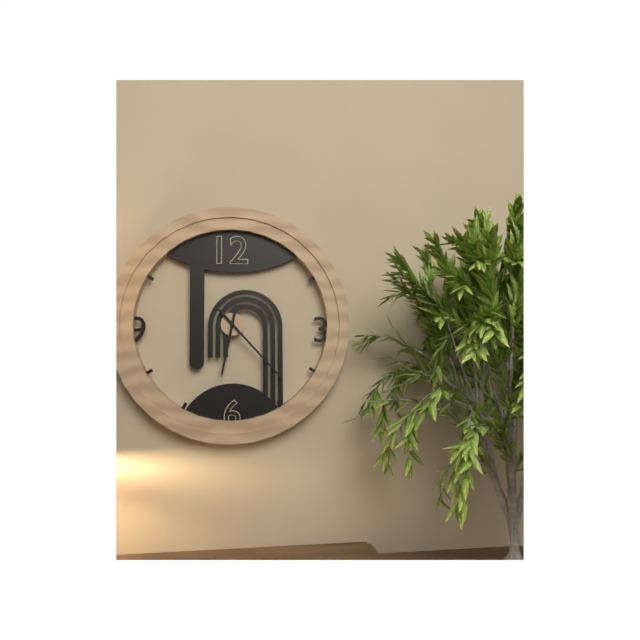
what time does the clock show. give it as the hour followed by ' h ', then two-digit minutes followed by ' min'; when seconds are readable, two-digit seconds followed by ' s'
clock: 6 h 23 min
